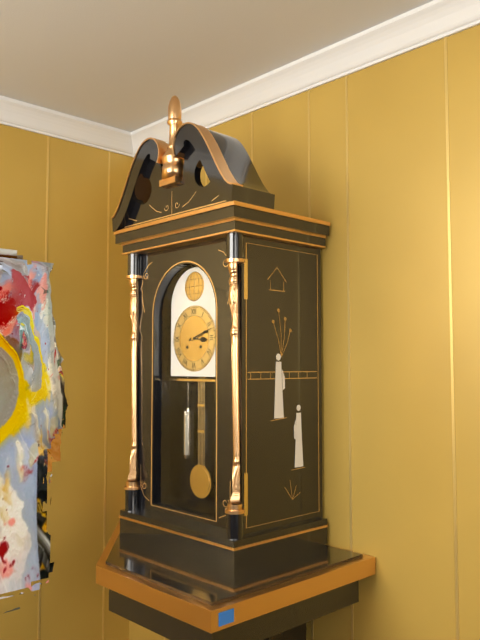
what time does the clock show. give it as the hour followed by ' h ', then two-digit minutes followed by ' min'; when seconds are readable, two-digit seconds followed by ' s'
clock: 3 h 12 min
